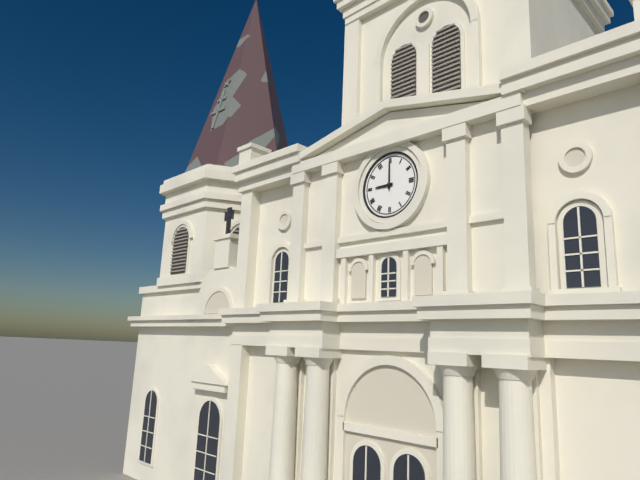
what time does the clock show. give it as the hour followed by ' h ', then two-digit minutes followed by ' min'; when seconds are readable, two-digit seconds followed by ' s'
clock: 9 h 00 min
